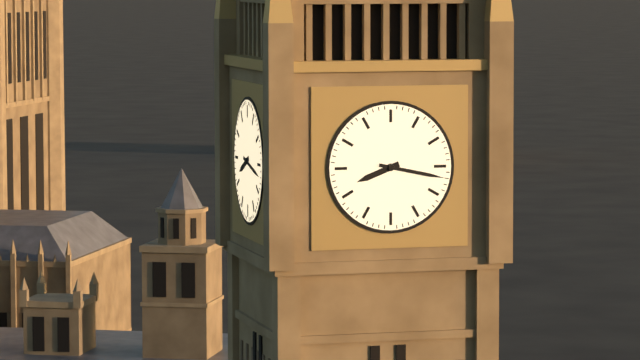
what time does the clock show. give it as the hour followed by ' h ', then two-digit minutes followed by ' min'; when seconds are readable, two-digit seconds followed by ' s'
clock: 8 h 17 min
